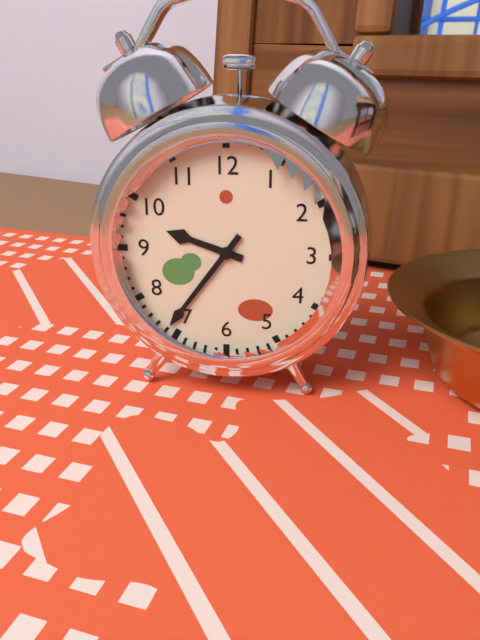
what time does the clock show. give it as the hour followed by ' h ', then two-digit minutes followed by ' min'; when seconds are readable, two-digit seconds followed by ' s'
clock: 9 h 36 min
